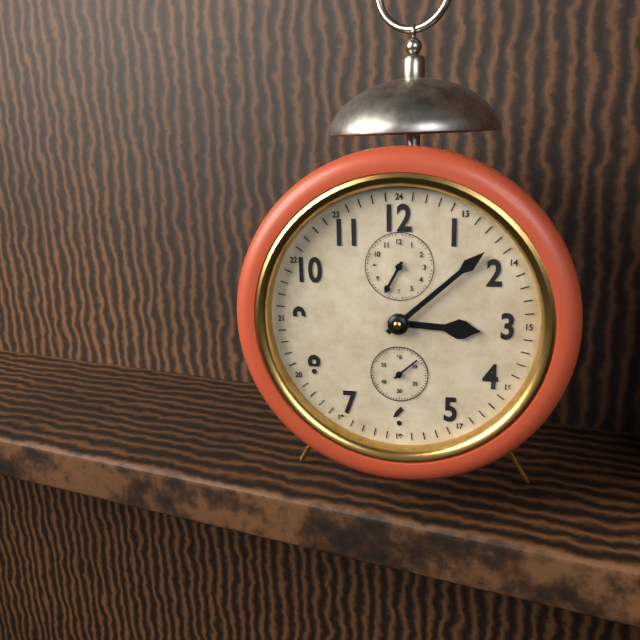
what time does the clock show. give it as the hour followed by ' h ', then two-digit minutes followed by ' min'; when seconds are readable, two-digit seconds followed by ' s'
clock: 3 h 08 min
